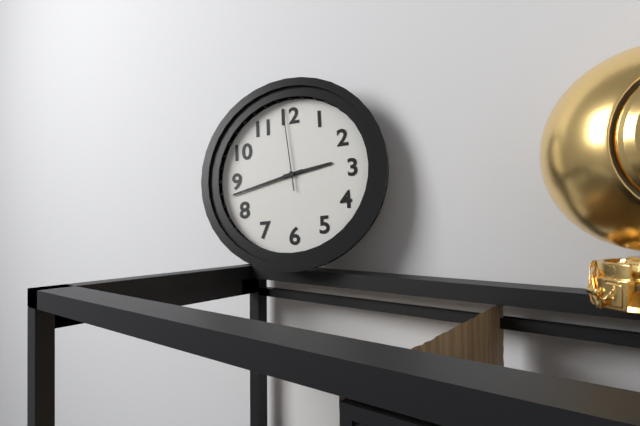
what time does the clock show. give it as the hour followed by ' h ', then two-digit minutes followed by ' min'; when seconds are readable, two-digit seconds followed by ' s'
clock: 2 h 43 min 59 s
